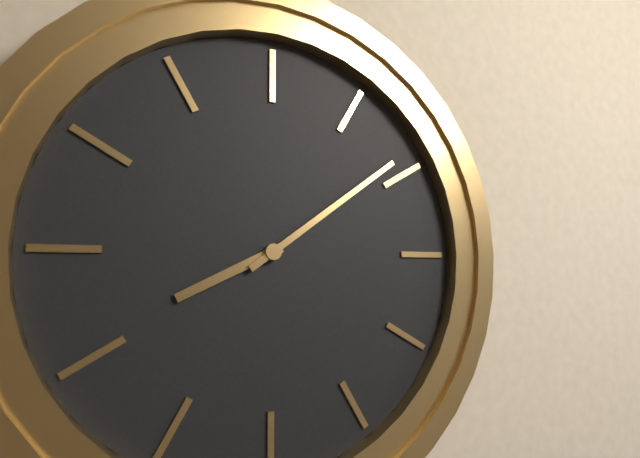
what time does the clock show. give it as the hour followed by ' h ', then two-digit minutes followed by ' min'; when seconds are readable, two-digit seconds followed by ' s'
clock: 8 h 09 min
